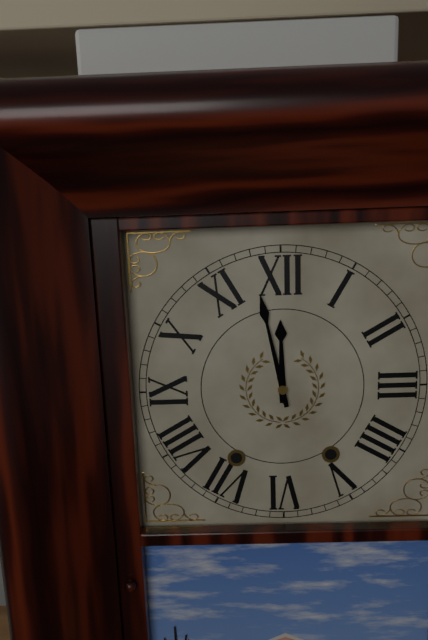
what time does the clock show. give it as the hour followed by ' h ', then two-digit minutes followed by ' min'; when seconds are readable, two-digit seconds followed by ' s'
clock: 11 h 58 min
